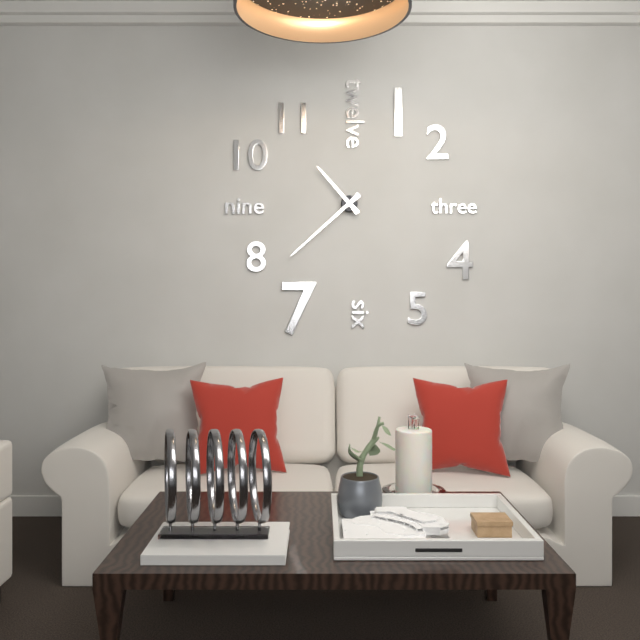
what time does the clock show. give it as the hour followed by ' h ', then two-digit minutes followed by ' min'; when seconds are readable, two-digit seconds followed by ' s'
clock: 10 h 38 min
